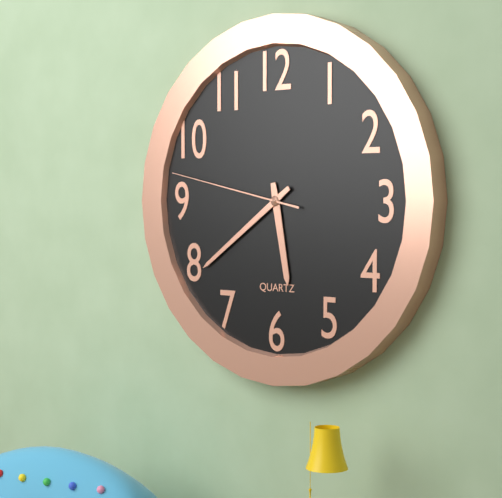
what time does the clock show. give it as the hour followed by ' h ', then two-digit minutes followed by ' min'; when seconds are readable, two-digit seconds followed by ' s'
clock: 5 h 39 min 47 s
